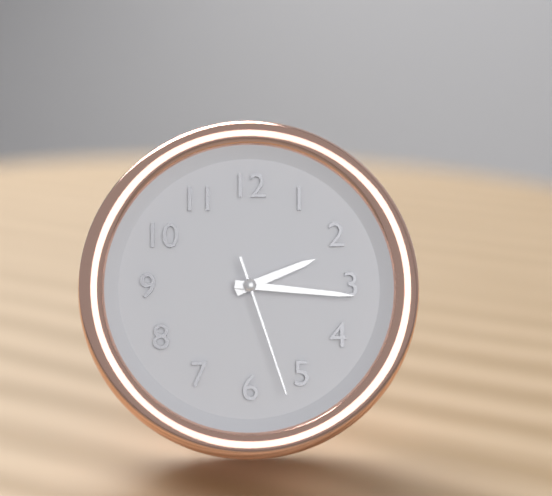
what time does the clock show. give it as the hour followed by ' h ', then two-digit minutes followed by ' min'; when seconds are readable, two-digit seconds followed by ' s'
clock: 2 h 16 min 27 s
